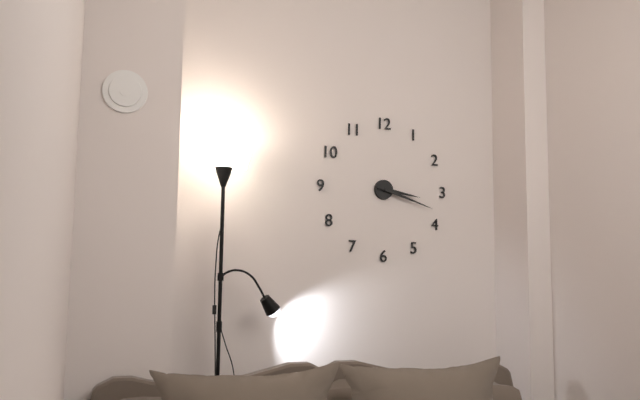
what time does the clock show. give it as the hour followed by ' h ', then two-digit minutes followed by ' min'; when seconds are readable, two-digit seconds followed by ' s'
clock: 3 h 18 min
